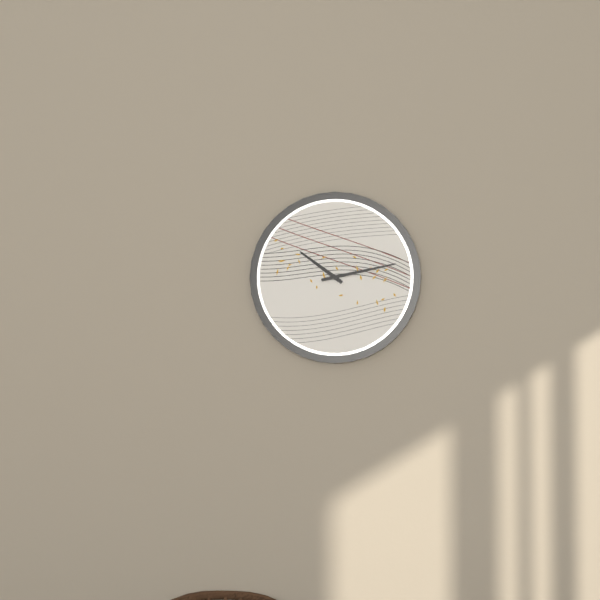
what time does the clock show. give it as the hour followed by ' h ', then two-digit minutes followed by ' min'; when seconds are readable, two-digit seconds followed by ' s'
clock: 10 h 13 min
